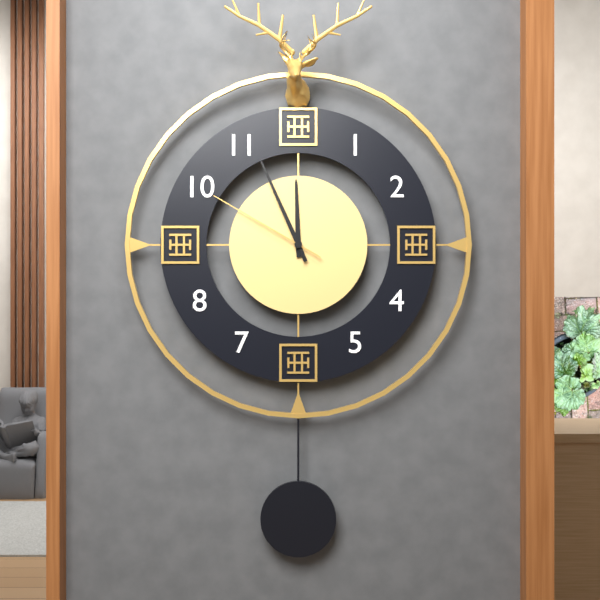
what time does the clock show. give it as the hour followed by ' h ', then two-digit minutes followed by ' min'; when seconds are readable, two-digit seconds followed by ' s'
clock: 11 h 56 min 50 s
